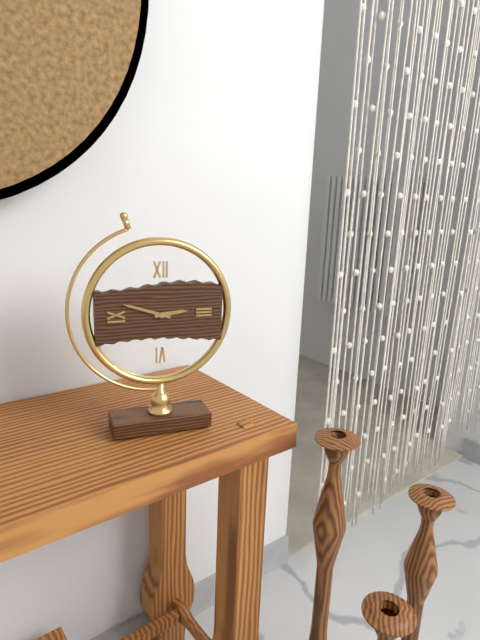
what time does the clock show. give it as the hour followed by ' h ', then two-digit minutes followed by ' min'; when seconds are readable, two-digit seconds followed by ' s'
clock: 2 h 48 min
